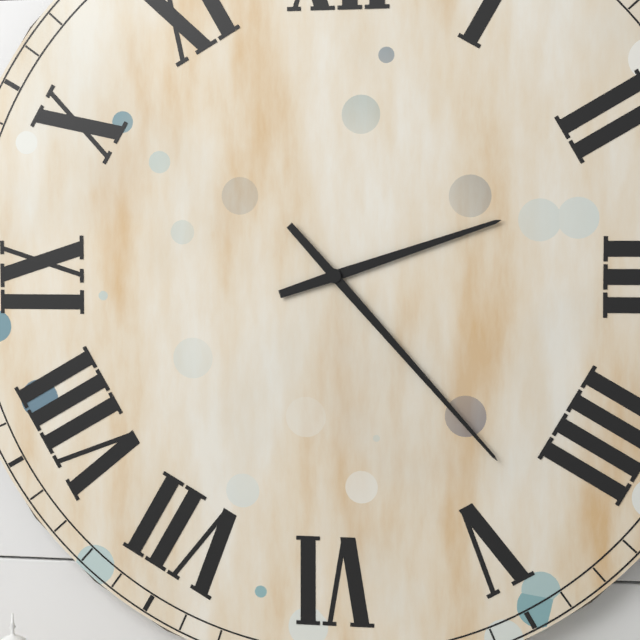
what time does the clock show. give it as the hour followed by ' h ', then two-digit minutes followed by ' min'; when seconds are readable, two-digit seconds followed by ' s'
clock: 2 h 23 min
